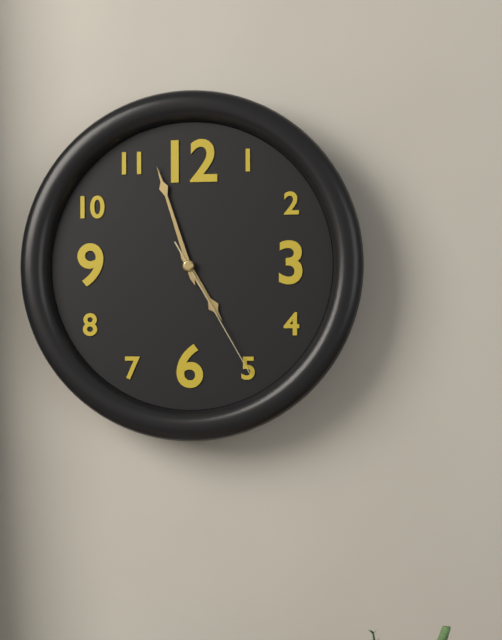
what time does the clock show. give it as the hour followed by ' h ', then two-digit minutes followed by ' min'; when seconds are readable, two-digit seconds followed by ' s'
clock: 4 h 57 min 25 s
